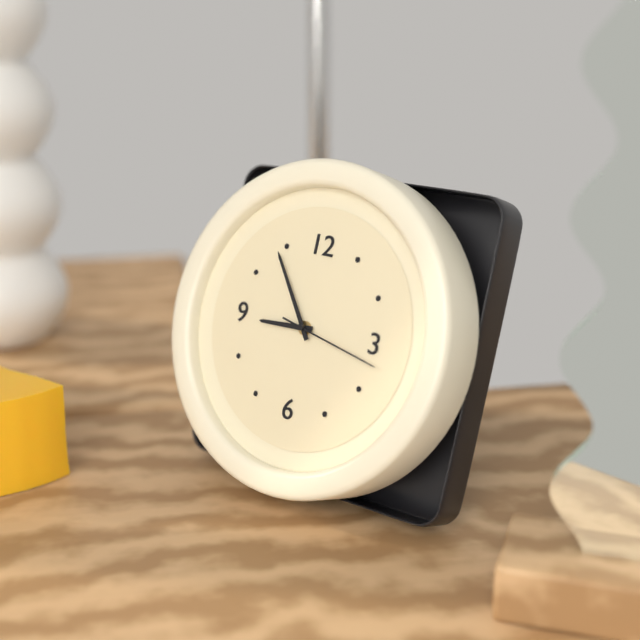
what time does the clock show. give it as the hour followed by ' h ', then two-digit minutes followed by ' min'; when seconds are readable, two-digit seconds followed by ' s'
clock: 8 h 54 min 17 s
